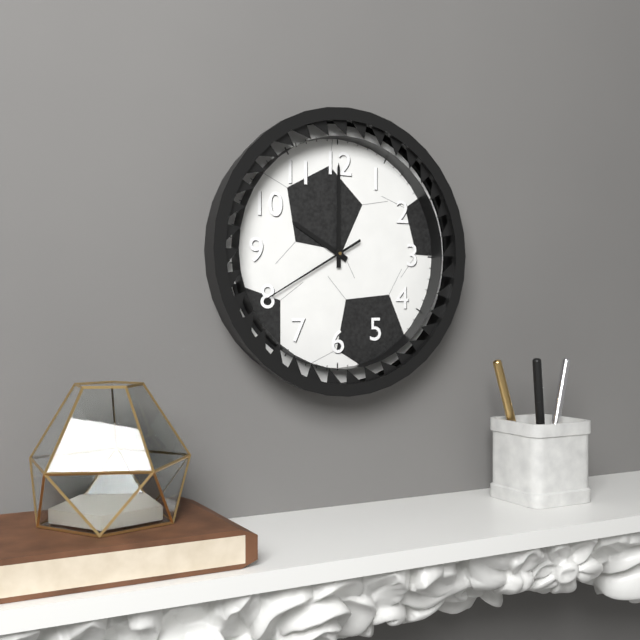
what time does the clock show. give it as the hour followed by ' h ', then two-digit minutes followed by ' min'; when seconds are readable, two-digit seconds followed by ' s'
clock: 10 h 00 min 40 s
